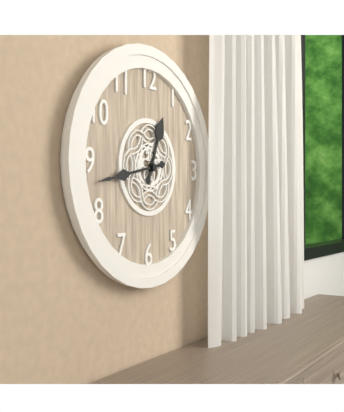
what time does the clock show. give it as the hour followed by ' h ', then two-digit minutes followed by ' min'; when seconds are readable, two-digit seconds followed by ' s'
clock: 12 h 43 min
